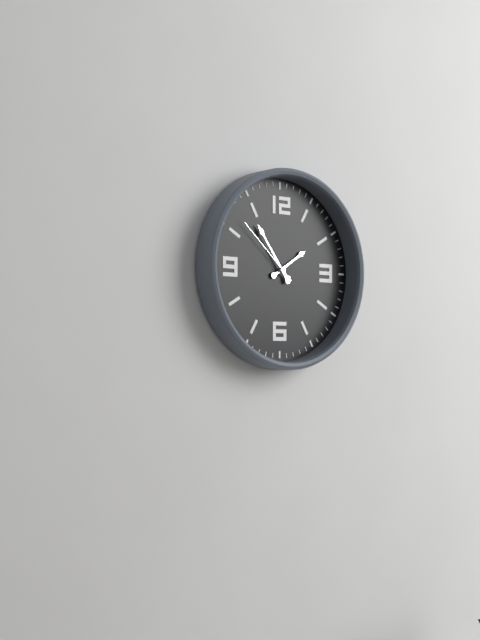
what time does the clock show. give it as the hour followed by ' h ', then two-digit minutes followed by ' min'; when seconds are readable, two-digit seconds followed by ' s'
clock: 1 h 54 min 52 s
